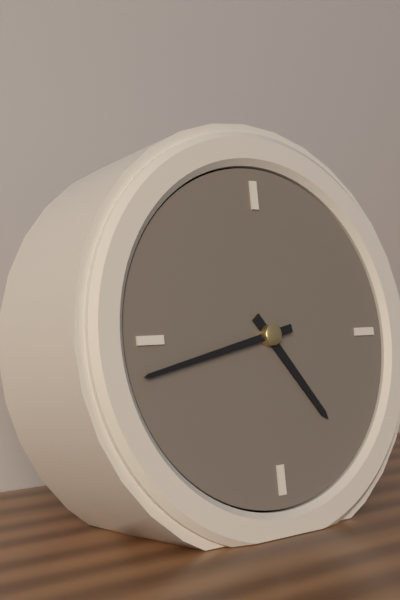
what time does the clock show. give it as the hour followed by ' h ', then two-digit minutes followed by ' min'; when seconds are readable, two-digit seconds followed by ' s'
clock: 4 h 43 min
